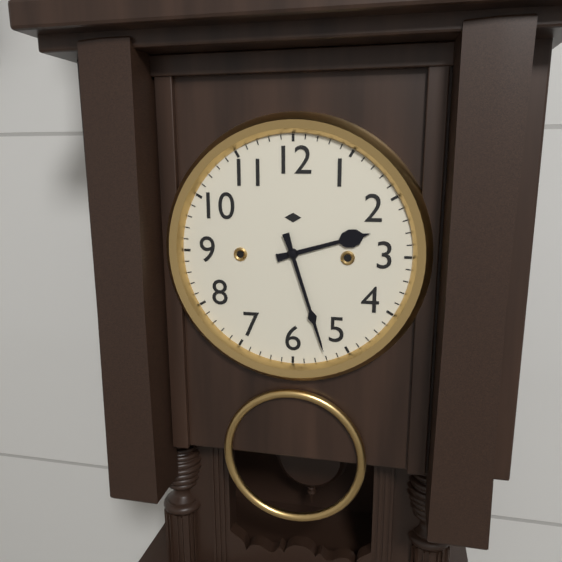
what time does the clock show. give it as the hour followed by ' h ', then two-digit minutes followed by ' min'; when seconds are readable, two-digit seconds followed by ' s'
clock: 2 h 27 min
